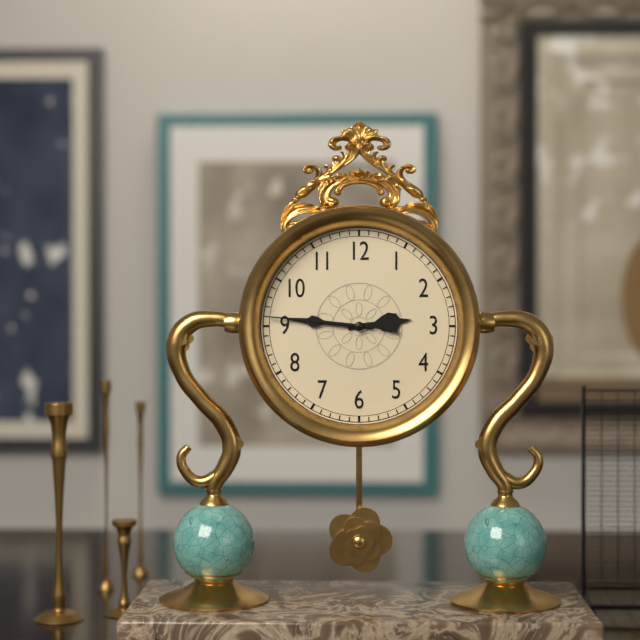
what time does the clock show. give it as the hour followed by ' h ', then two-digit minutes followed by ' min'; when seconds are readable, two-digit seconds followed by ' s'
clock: 2 h 46 min 46 s
